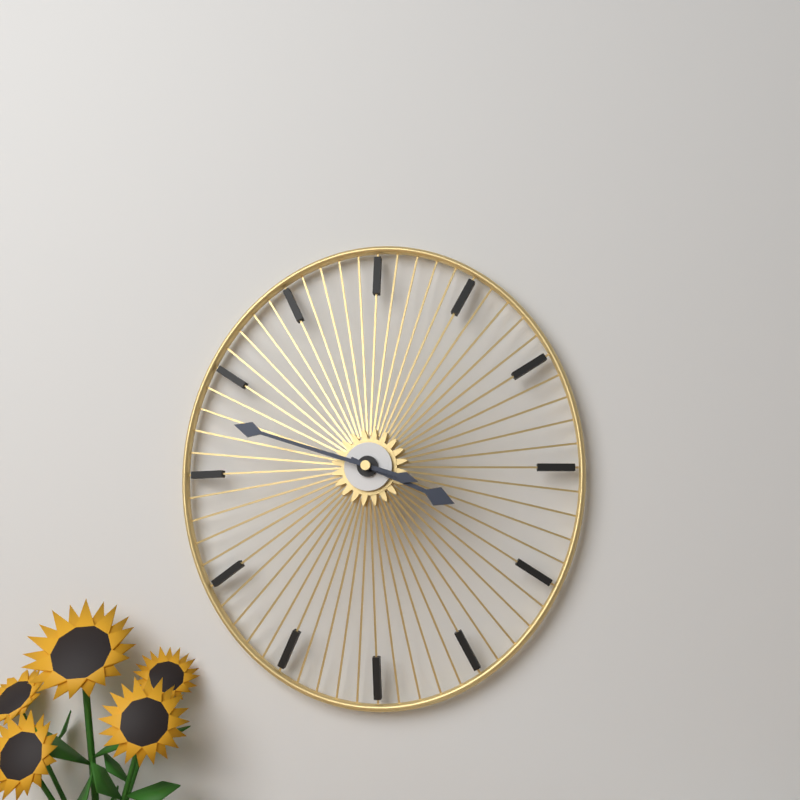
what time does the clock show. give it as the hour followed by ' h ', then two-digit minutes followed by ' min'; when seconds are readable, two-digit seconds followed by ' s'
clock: 3 h 48 min
